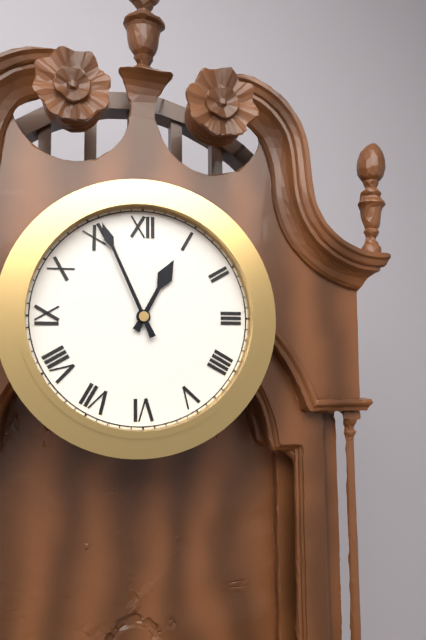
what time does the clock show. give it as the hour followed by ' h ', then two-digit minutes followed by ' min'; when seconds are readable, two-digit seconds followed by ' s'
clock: 12 h 56 min
